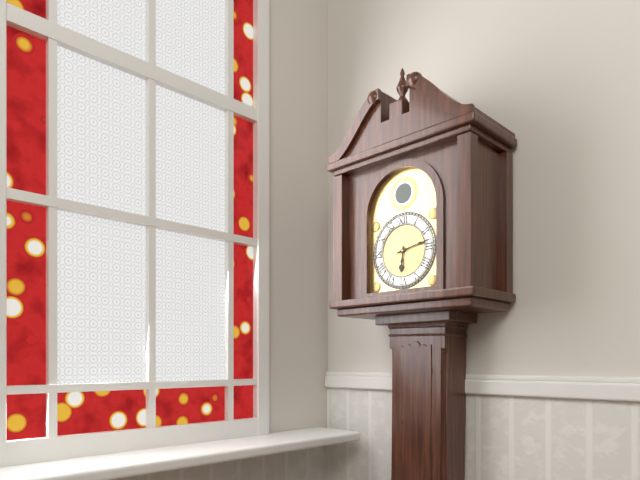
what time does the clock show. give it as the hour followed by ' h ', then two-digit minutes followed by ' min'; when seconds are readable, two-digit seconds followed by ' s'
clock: 6 h 13 min
